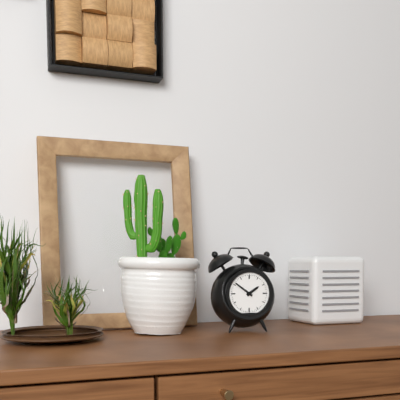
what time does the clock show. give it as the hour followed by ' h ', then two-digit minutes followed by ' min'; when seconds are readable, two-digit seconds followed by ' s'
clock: 1 h 51 min
